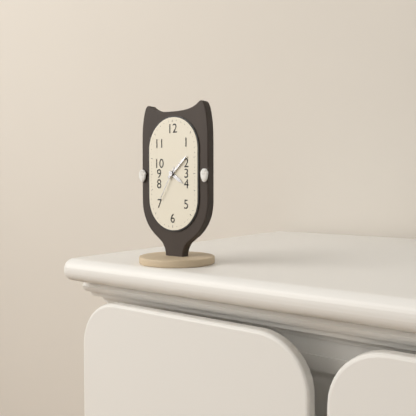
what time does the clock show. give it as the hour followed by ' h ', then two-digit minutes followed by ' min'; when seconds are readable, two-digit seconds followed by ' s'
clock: 4 h 08 min
